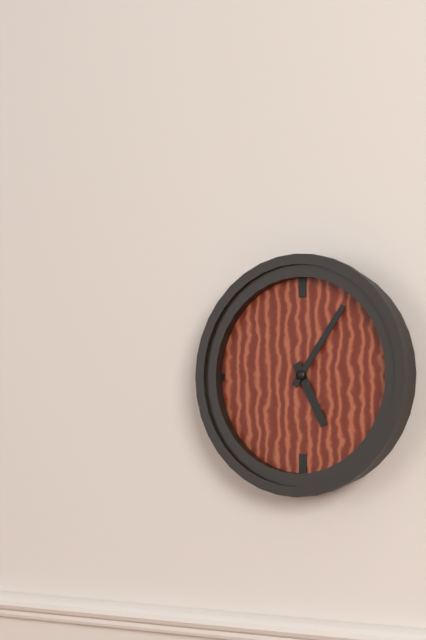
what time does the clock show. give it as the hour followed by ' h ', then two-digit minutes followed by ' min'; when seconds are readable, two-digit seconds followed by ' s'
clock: 5 h 06 min
